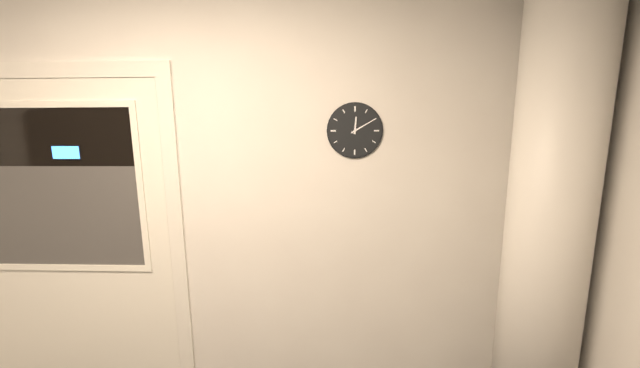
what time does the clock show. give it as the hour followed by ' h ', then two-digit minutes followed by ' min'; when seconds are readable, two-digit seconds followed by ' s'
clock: 12 h 10 min
